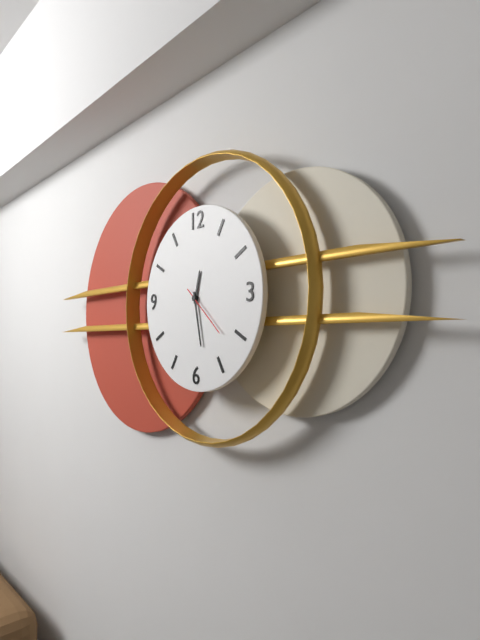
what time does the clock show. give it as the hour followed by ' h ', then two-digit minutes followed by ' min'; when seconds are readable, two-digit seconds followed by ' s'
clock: 12 h 28 min 22 s
